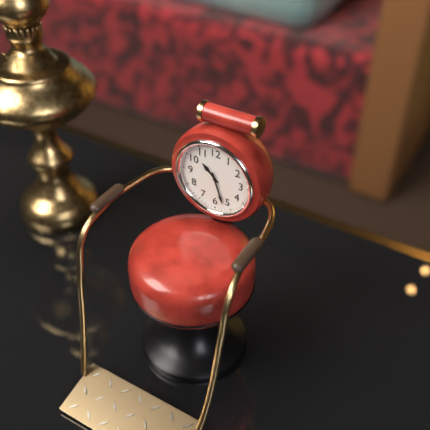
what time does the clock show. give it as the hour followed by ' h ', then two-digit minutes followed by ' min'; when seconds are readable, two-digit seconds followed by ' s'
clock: 10 h 27 min
